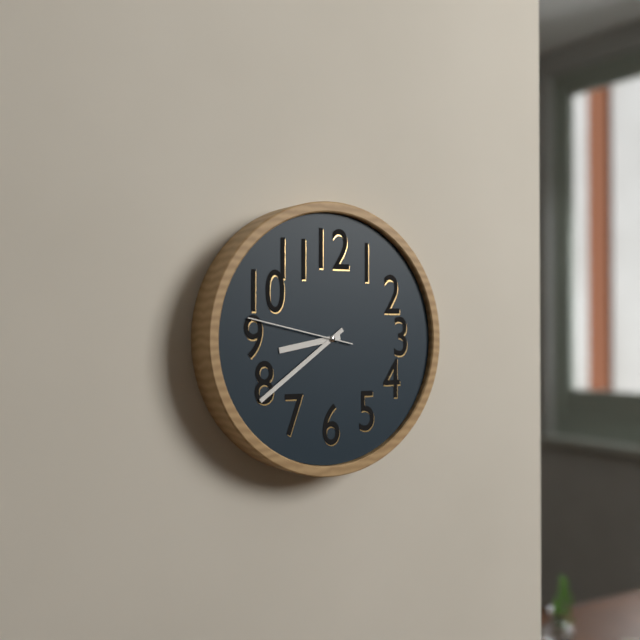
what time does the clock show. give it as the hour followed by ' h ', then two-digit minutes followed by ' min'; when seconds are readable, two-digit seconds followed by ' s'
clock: 8 h 39 min 47 s
